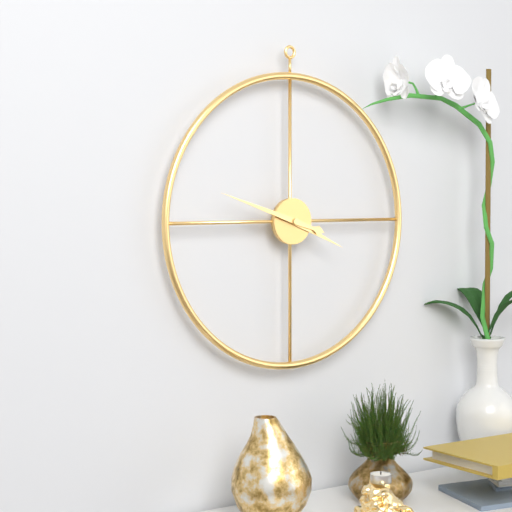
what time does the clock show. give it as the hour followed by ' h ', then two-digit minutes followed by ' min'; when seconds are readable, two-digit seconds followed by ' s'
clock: 3 h 48 min
